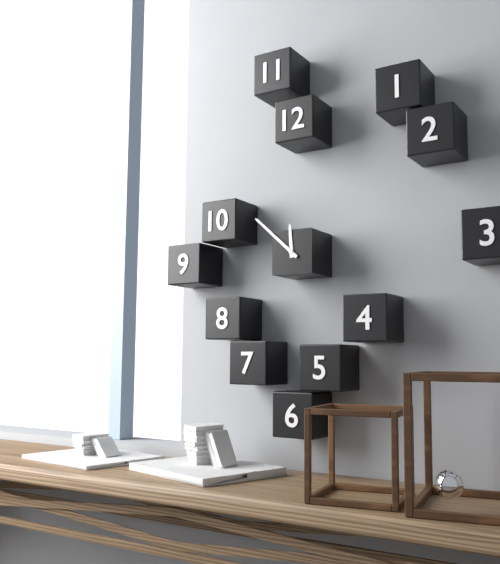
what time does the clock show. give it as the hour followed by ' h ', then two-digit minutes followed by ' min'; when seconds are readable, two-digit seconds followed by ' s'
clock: 11 h 52 min
